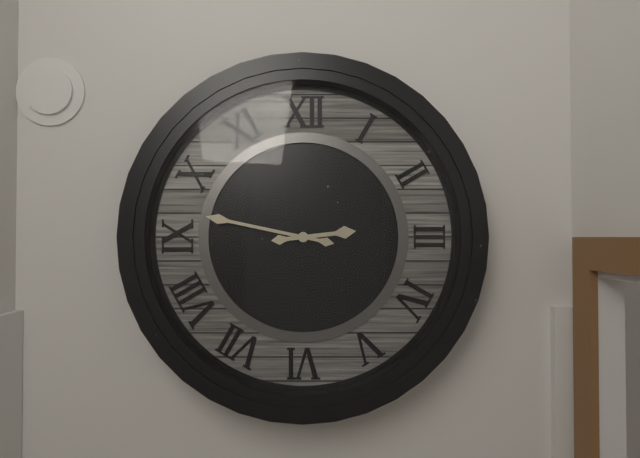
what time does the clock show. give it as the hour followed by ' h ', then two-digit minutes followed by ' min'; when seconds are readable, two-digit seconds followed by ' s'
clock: 2 h 47 min
